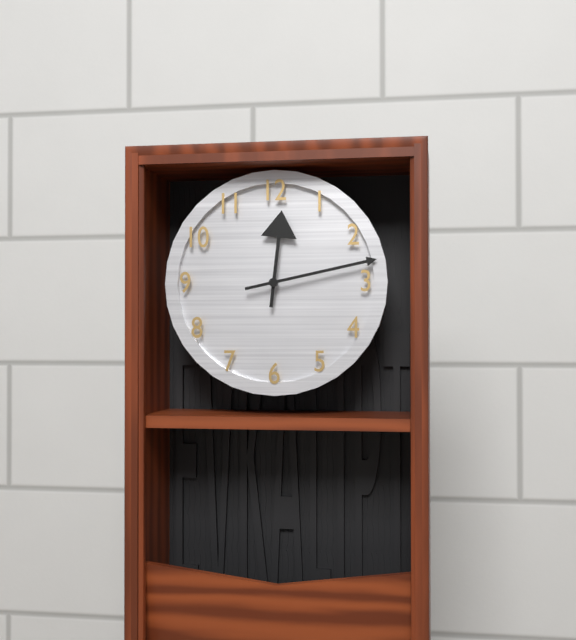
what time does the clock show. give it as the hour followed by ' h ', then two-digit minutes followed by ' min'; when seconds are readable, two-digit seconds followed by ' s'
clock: 12 h 13 min
